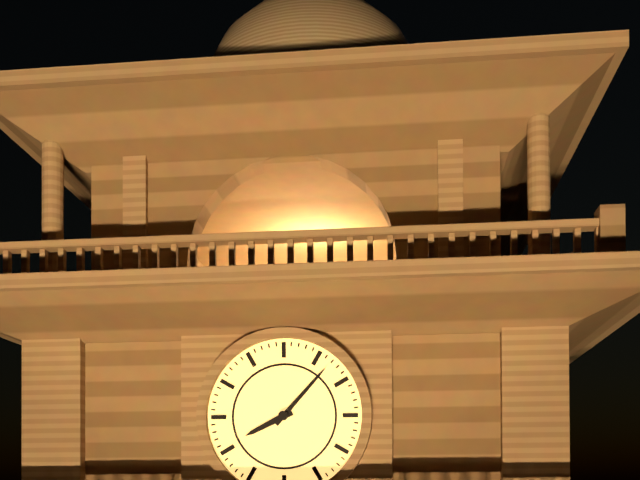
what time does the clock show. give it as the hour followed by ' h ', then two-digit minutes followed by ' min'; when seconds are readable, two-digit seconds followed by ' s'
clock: 8 h 07 min
